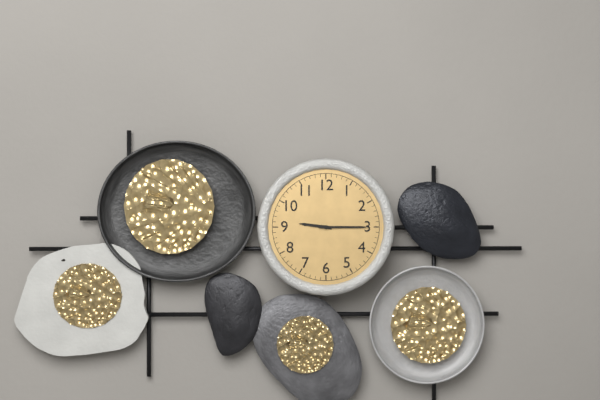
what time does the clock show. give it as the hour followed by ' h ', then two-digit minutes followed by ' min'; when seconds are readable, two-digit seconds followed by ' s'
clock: 9 h 15 min
